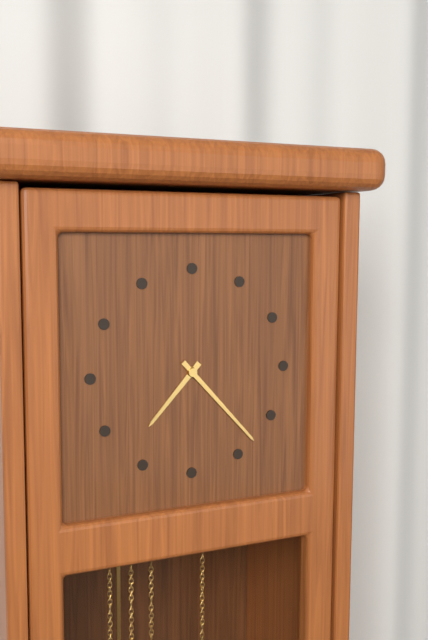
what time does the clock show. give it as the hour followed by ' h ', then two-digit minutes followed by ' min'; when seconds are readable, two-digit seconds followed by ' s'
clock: 7 h 23 min
